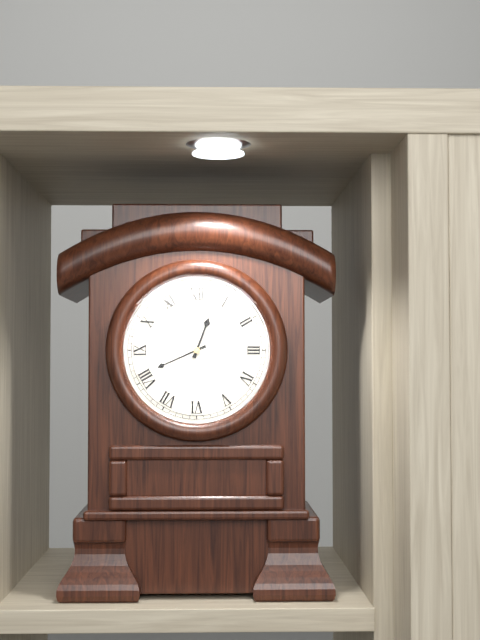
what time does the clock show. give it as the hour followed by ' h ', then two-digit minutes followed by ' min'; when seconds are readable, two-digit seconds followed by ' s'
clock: 12 h 41 min
